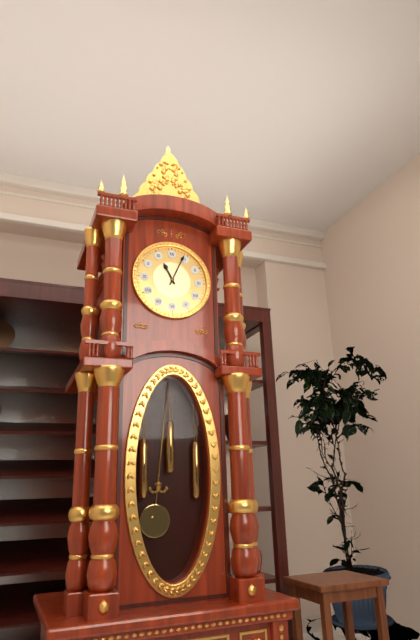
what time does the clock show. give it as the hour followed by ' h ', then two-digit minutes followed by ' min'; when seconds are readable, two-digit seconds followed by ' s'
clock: 11 h 04 min
